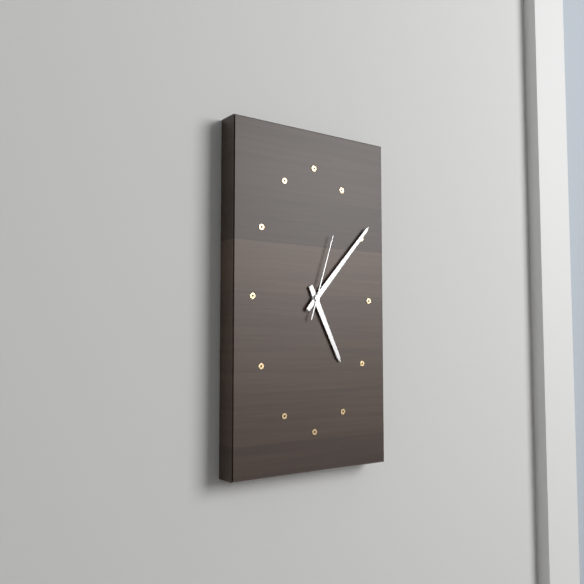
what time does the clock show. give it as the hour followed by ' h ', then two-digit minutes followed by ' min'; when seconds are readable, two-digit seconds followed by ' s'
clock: 5 h 07 min 03 s
